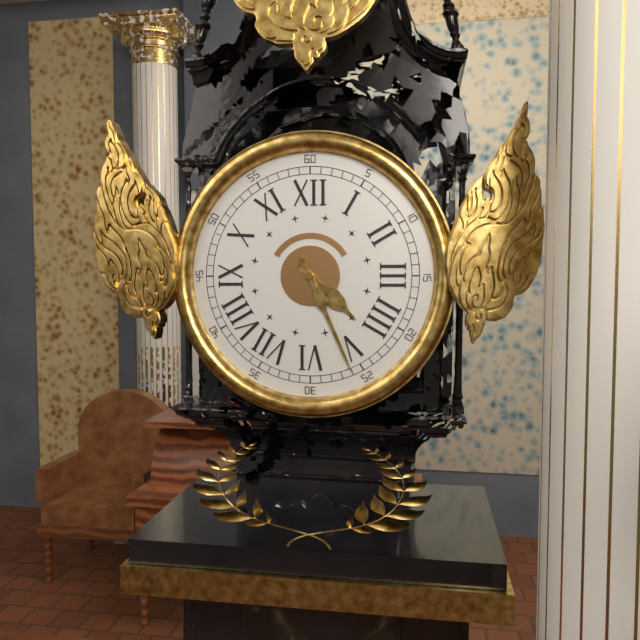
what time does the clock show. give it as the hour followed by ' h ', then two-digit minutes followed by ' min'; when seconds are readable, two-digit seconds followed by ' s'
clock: 4 h 26 min
